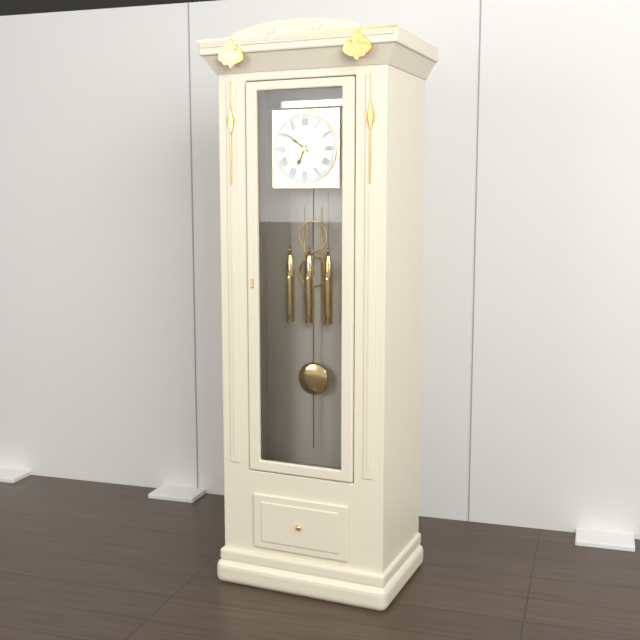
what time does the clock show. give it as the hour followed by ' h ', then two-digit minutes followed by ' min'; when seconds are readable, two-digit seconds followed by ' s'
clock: 6 h 51 min
